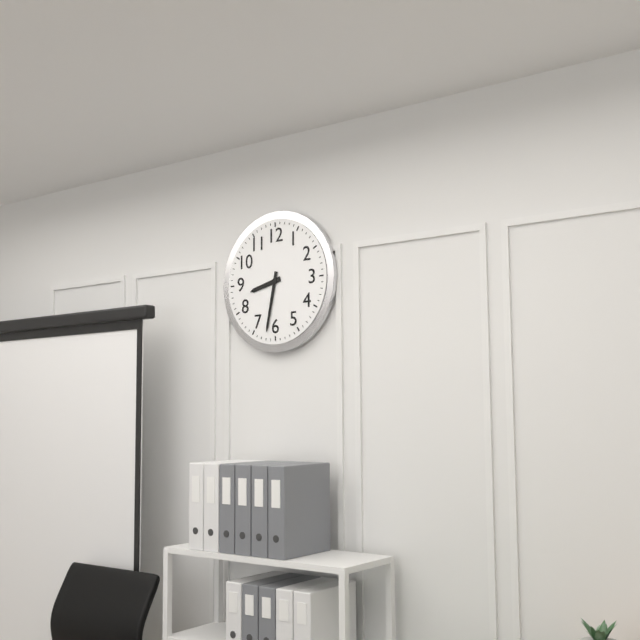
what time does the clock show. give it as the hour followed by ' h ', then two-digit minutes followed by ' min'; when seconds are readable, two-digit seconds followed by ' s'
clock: 8 h 32 min
